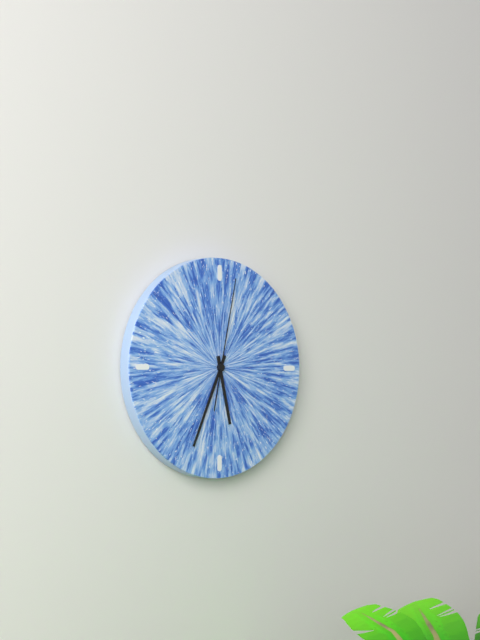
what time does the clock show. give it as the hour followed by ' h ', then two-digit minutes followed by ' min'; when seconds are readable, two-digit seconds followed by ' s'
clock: 5 h 34 min 02 s
